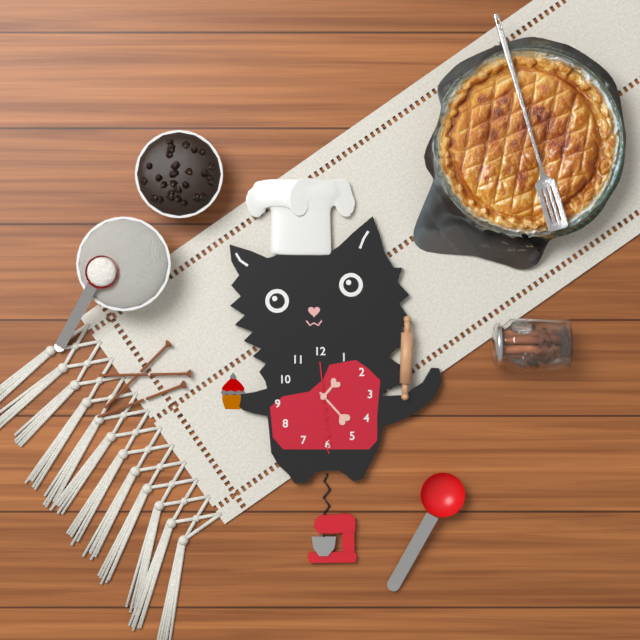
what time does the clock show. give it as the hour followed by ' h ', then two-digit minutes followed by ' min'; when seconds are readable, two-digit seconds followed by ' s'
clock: 1 h 23 min 29 s
